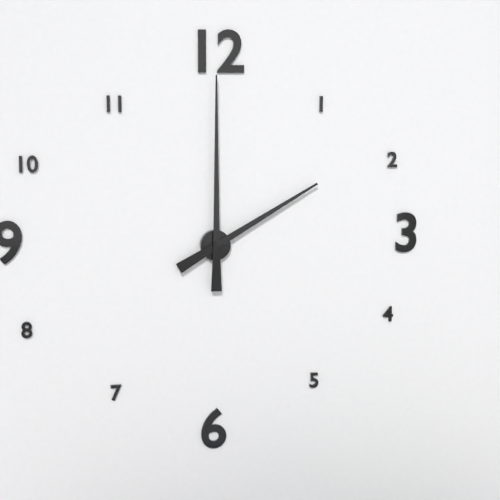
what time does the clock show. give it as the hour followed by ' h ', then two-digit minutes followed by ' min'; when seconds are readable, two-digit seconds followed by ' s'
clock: 2 h 00 min
